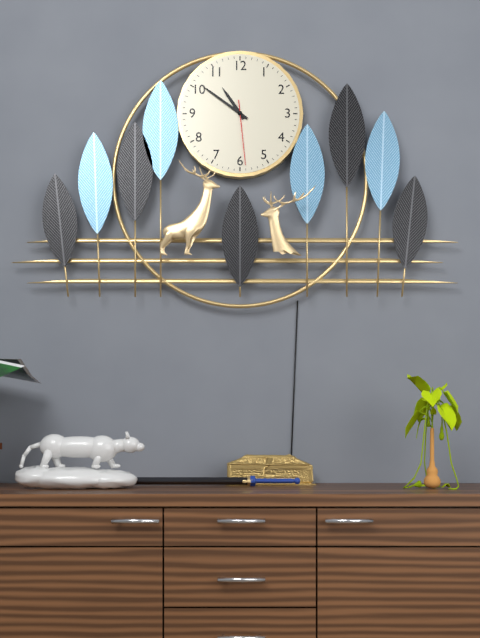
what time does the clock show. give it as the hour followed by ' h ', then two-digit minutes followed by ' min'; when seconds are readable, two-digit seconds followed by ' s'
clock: 10 h 51 min 29 s
